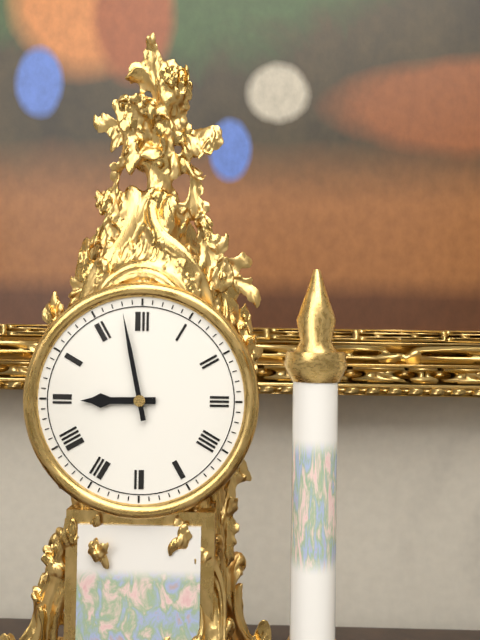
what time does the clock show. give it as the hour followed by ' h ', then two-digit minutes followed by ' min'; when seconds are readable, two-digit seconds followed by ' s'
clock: 8 h 58 min
